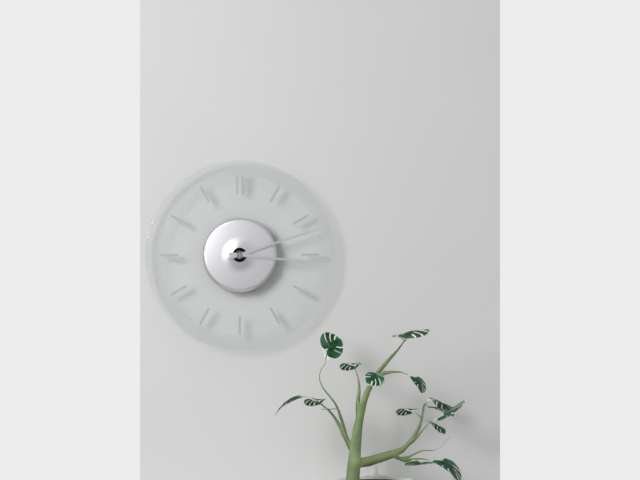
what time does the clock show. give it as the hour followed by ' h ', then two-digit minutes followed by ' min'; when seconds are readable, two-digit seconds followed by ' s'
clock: 3 h 12 min
